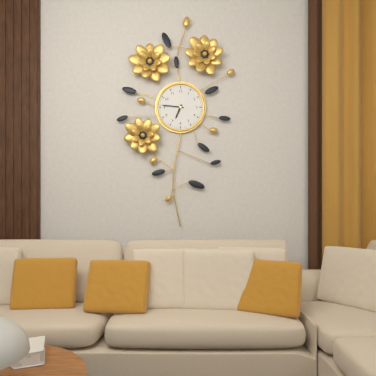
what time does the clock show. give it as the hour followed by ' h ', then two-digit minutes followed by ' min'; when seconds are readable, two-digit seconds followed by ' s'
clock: 6 h 46 min
